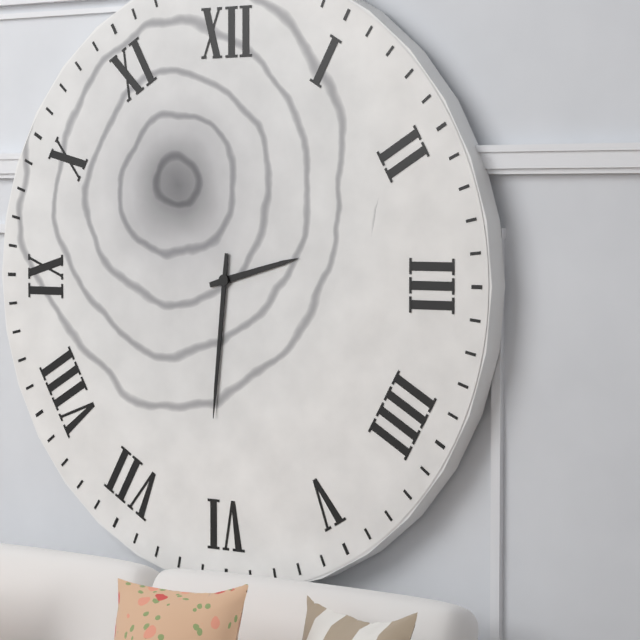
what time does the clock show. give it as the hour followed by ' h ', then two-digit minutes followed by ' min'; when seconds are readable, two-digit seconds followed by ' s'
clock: 2 h 31 min
